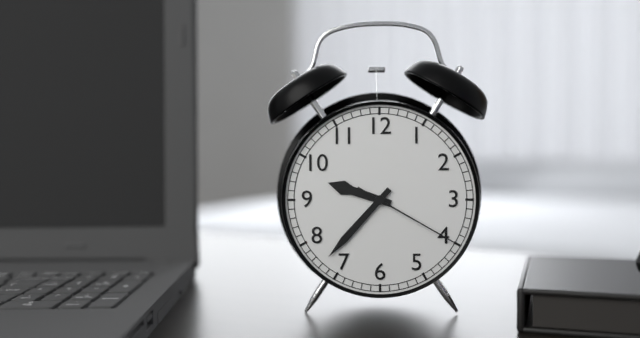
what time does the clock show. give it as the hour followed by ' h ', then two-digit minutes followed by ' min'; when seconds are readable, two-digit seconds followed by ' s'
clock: 9 h 37 min 20 s
